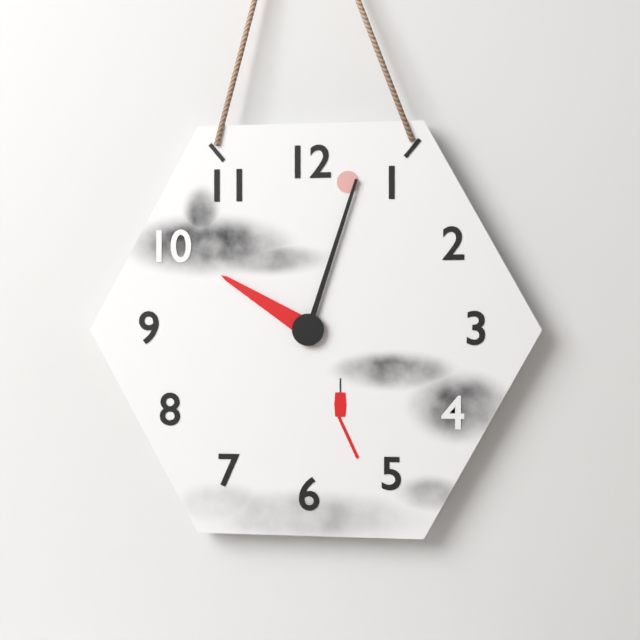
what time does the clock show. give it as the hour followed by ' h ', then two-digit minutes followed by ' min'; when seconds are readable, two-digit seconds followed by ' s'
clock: 10 h 03 min
